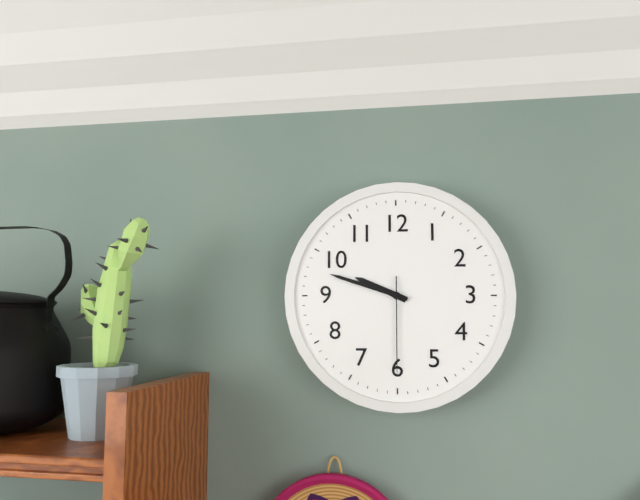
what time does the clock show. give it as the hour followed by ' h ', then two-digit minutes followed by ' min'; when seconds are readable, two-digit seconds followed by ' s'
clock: 9 h 48 min 30 s
